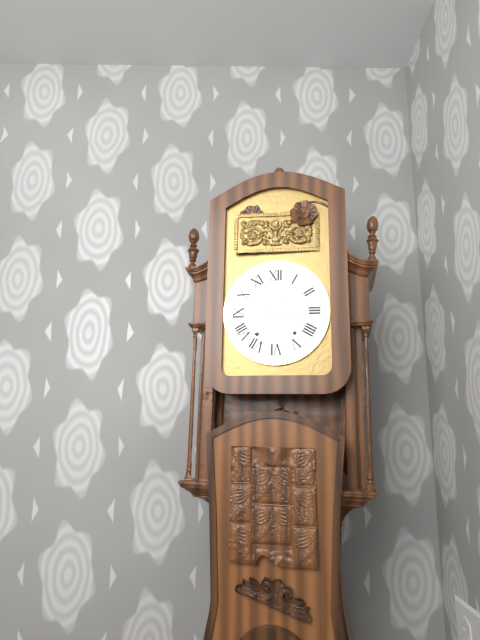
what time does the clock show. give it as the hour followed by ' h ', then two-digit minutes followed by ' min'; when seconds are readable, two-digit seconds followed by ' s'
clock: 12 h 18 min
